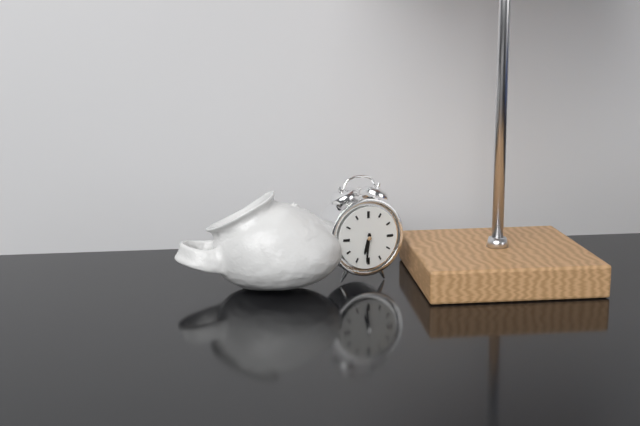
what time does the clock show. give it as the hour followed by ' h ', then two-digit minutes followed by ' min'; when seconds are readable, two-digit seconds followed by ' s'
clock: 6 h 31 min
